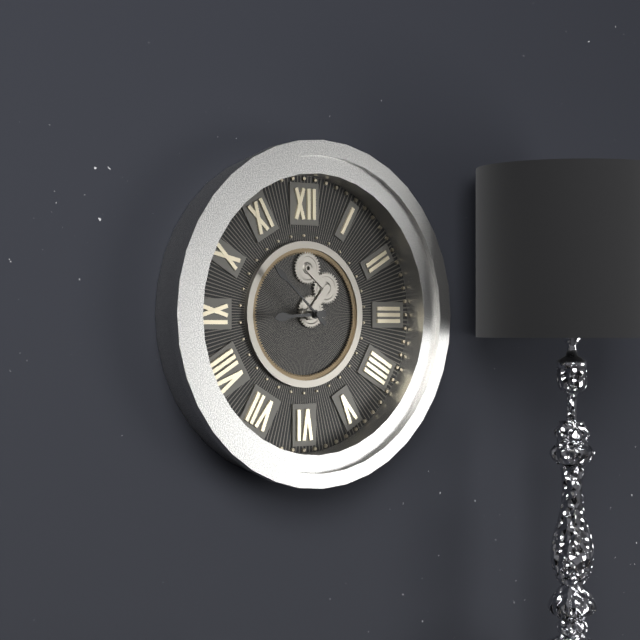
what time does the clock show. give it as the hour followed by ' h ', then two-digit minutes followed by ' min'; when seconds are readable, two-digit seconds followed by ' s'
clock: 8 h 52 min
